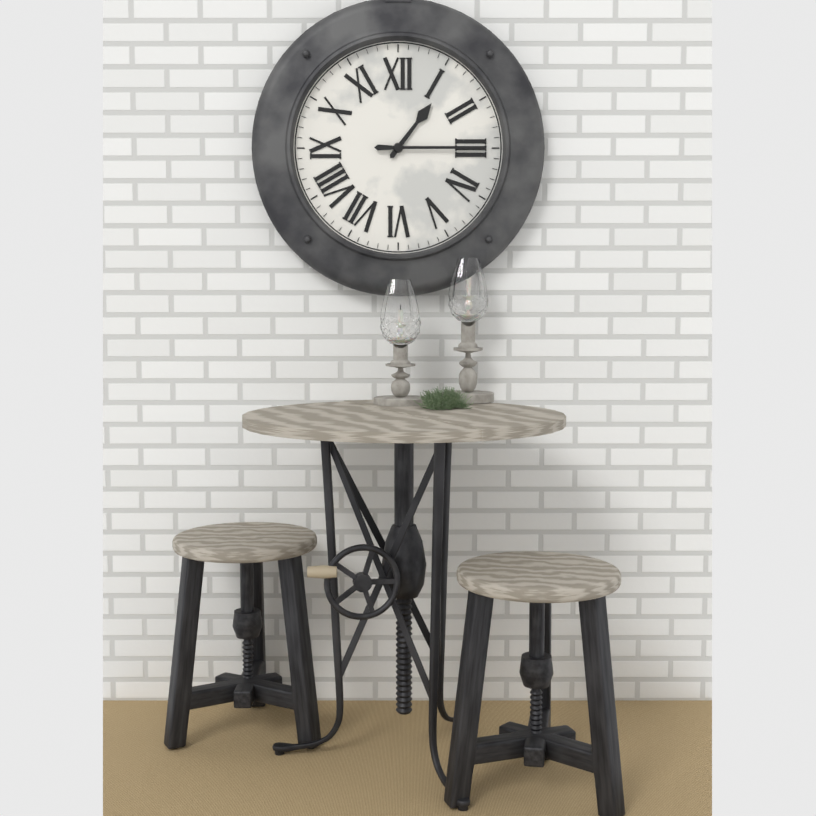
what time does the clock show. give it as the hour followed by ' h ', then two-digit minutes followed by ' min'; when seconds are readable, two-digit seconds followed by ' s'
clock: 1 h 15 min
